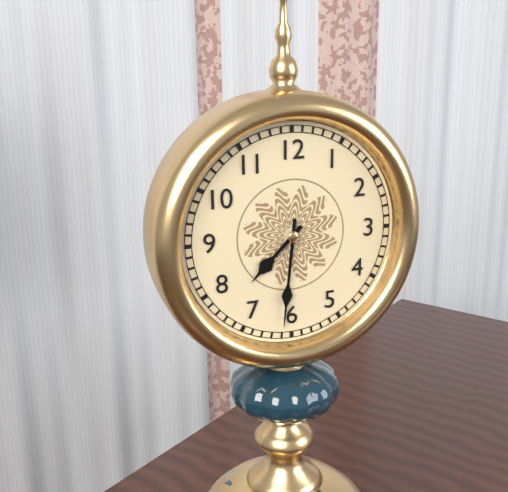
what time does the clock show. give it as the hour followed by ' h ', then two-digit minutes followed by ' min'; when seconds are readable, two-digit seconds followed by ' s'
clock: 7 h 31 min
